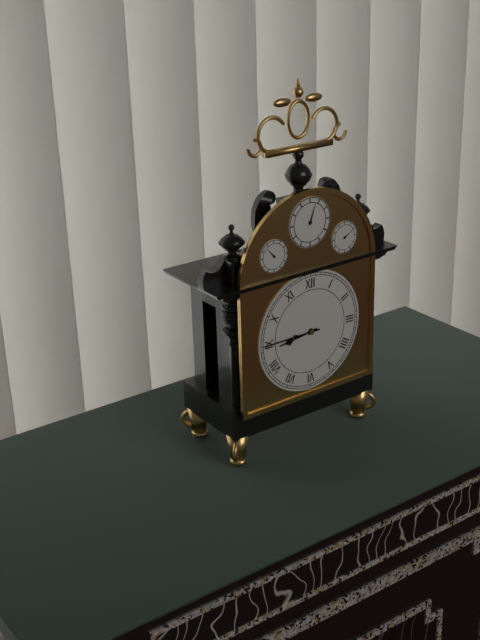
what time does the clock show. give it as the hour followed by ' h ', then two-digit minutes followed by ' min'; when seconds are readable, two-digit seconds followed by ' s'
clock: 8 h 45 min
